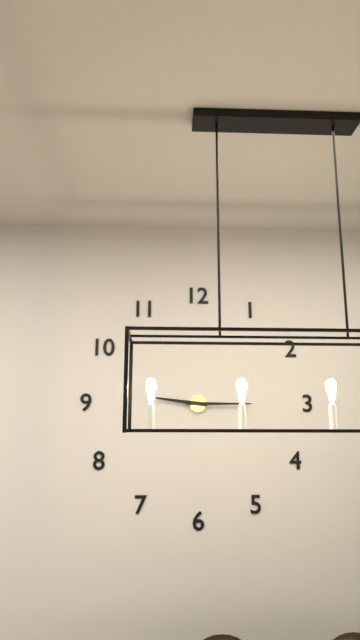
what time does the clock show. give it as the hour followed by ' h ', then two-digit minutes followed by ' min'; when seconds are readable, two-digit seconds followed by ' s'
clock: 9 h 15 min
